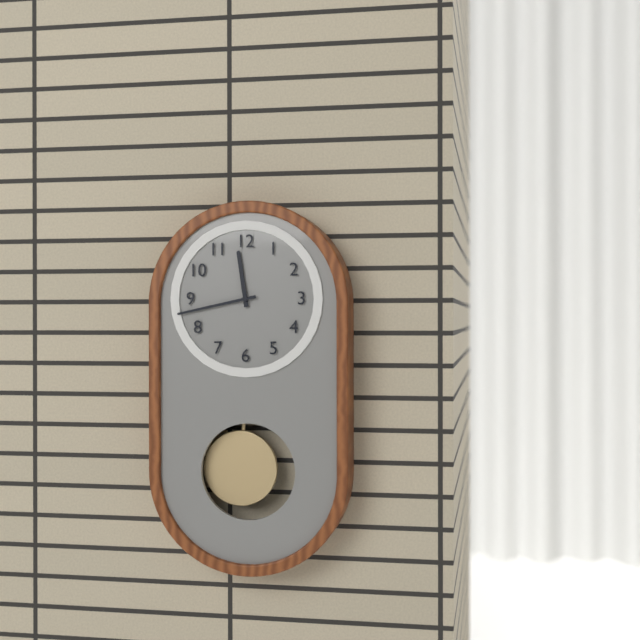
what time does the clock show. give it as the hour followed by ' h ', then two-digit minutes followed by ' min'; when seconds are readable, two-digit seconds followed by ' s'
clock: 11 h 43 min
